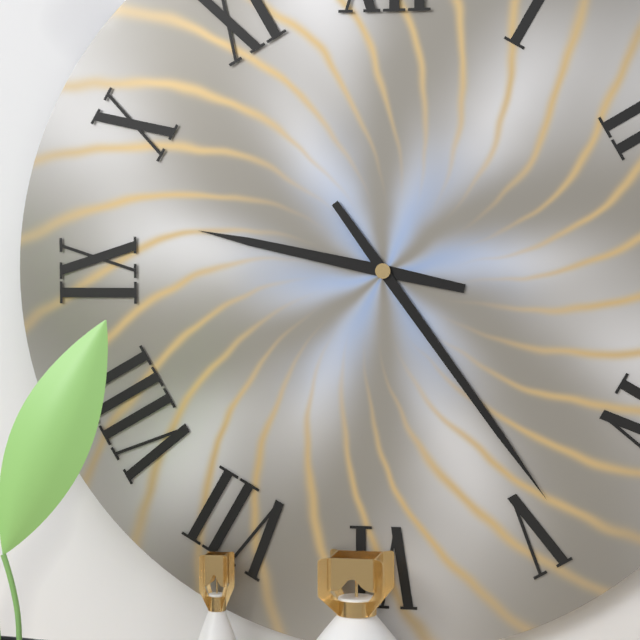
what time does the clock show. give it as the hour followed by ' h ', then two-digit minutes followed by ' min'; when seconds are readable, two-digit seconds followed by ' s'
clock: 9 h 24 min
